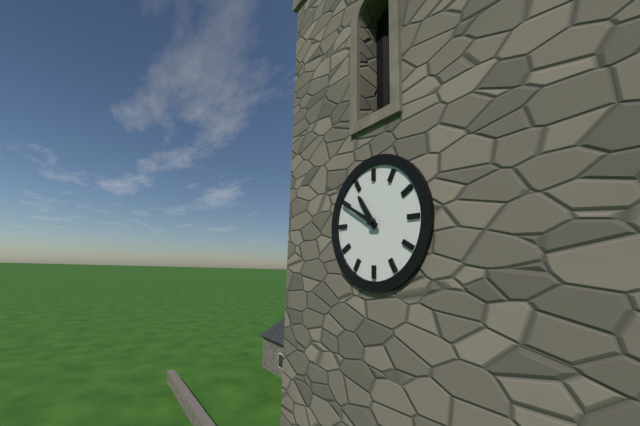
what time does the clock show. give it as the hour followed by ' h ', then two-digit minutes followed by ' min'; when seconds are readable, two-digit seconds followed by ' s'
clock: 10 h 50 min
